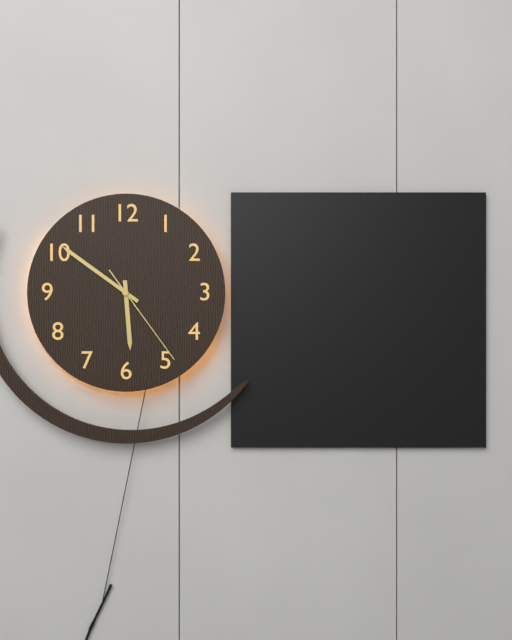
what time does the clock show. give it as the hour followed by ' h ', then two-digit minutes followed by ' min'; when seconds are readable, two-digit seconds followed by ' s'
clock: 5 h 51 min 24 s
